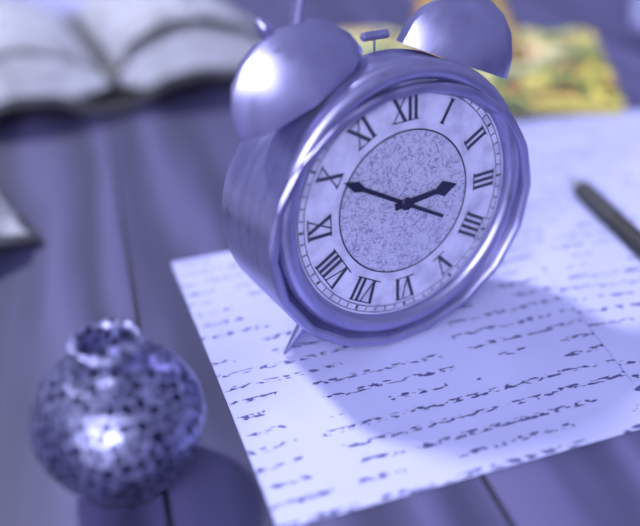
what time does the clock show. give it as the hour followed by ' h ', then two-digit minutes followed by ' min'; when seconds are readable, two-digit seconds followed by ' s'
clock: 2 h 50 min
